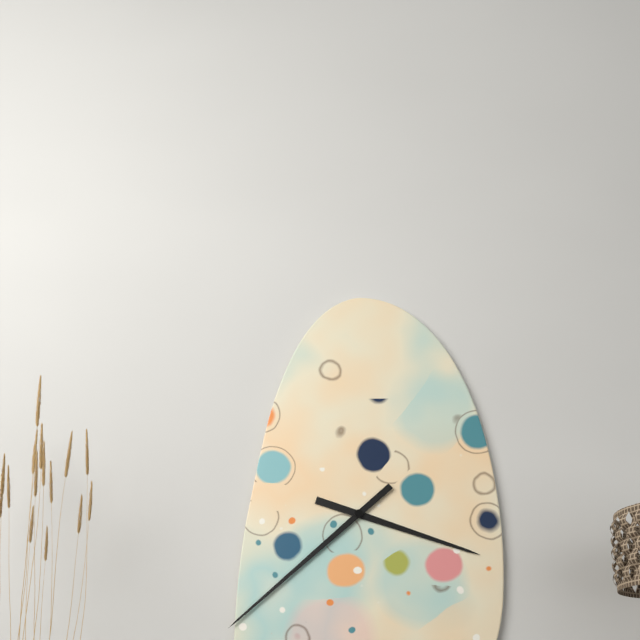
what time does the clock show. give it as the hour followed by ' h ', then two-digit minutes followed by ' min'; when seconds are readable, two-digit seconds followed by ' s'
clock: 3 h 38 min
